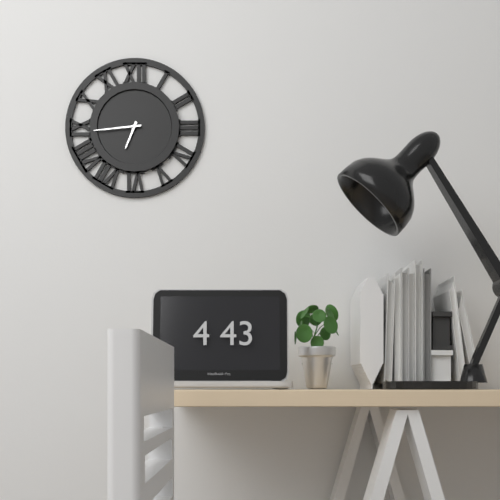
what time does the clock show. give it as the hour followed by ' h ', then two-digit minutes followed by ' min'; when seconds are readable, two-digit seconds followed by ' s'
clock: 6 h 44 min
